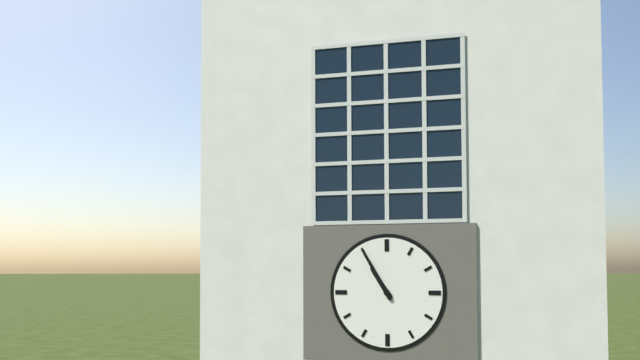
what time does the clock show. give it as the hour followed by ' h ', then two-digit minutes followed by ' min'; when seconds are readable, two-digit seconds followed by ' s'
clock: 10 h 55 min
